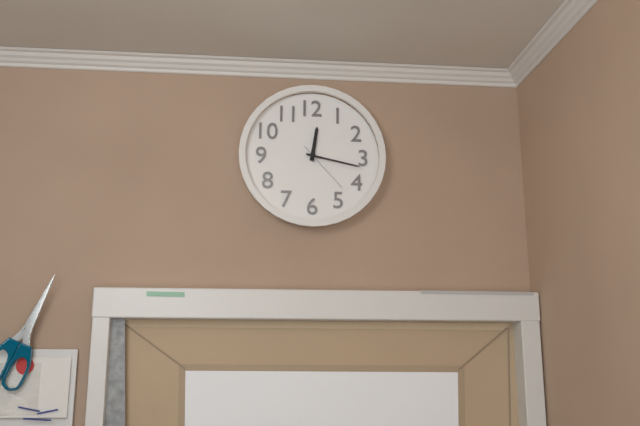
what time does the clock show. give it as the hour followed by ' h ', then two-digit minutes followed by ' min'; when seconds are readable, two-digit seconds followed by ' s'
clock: 12 h 17 min 23 s
